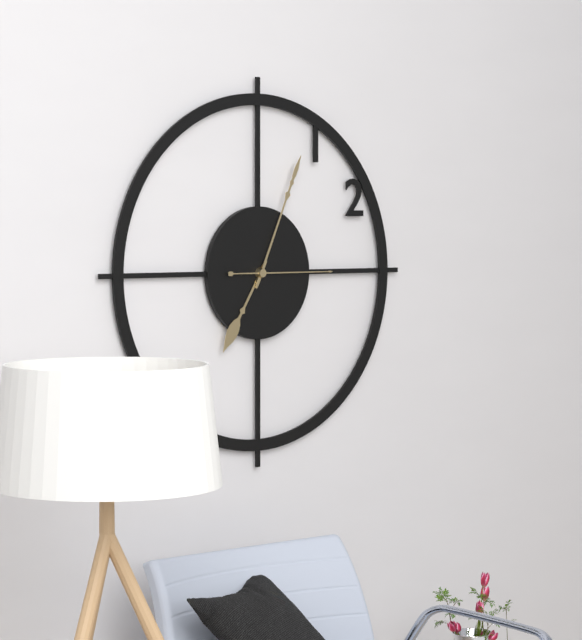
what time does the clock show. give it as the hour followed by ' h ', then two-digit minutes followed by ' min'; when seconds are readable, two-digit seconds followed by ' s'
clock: 7 h 04 min 15 s
